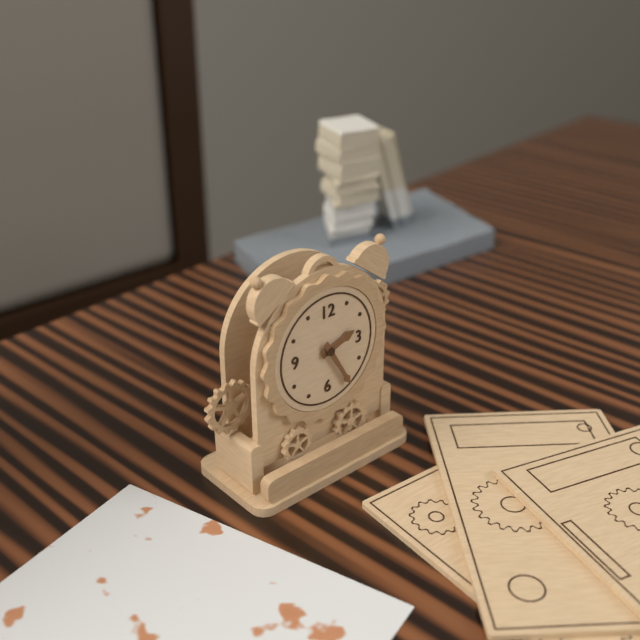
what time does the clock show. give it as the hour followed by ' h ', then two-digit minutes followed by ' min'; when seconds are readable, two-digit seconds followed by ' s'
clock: 2 h 25 min
